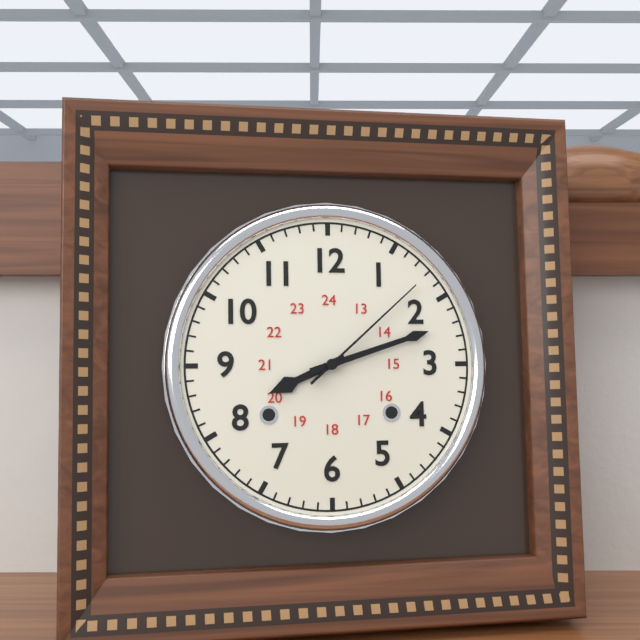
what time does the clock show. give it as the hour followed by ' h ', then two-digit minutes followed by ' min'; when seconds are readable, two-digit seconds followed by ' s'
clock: 8 h 12 min 08 s
